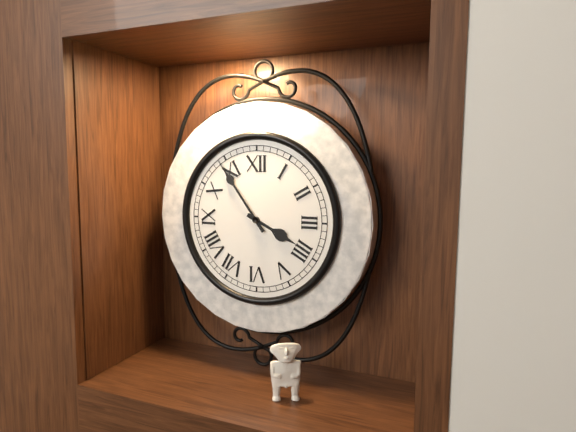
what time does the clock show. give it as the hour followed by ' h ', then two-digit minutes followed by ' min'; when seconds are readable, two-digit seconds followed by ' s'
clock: 3 h 54 min
